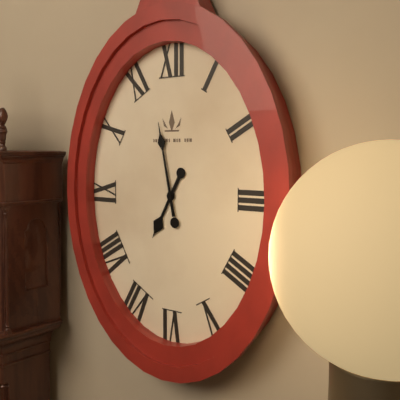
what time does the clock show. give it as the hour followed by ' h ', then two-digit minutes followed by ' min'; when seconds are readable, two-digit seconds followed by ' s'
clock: 6 h 58 min
